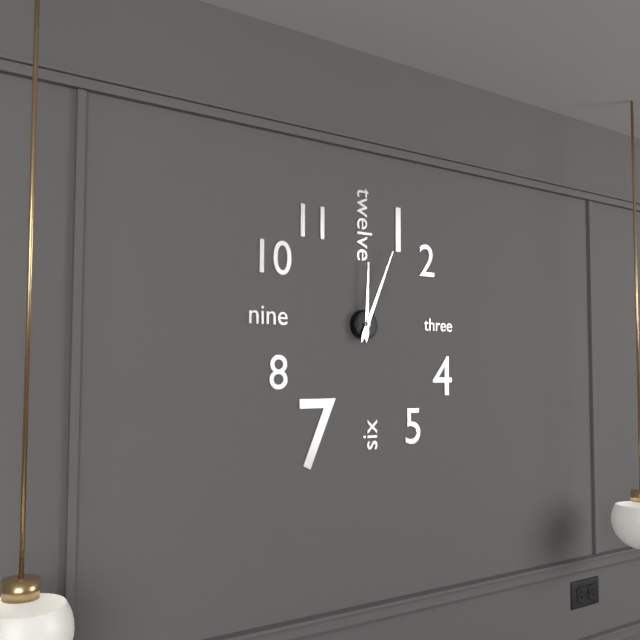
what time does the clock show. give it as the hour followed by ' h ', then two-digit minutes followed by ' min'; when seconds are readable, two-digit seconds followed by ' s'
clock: 12 h 04 min
